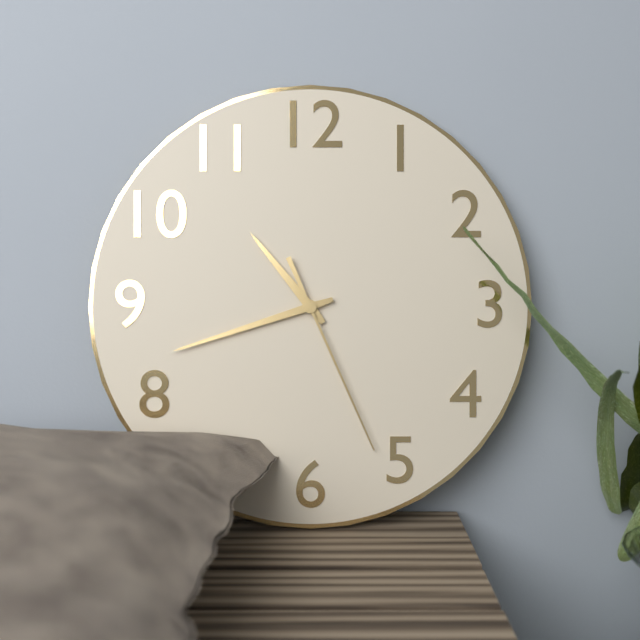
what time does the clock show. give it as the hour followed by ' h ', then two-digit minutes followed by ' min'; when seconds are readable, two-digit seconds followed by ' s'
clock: 10 h 42 min 26 s
